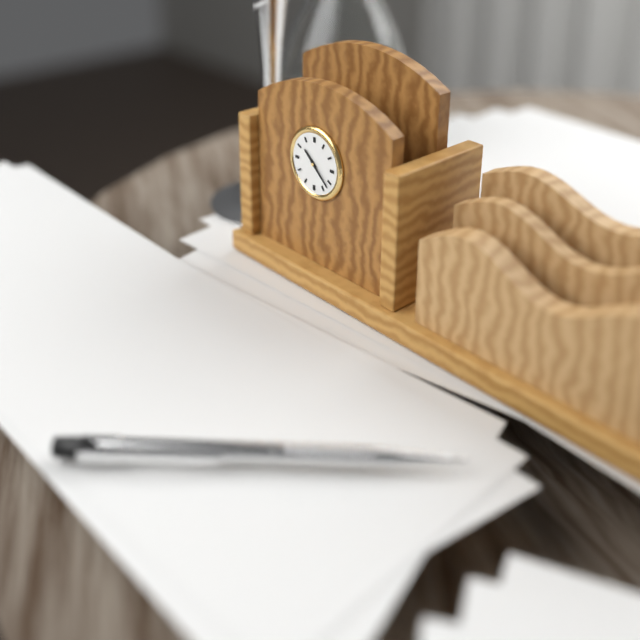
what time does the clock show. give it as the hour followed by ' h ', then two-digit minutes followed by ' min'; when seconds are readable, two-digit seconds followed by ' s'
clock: 10 h 22 min
